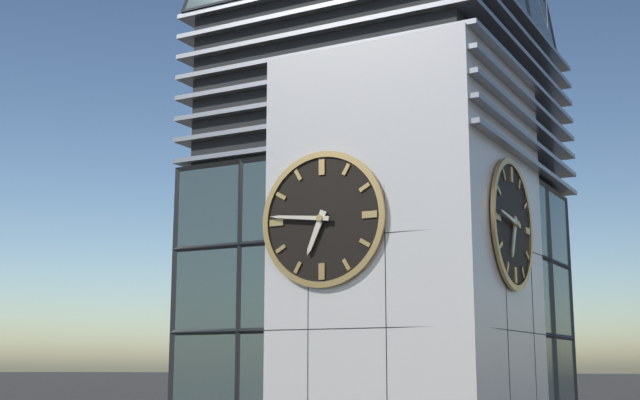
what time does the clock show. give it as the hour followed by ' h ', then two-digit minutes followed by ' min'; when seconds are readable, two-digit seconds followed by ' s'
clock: 6 h 46 min
